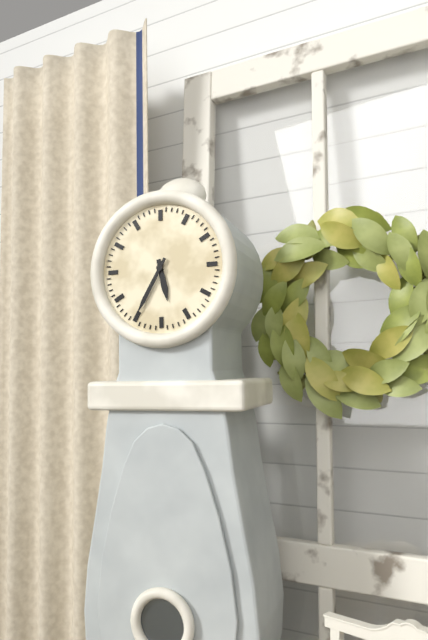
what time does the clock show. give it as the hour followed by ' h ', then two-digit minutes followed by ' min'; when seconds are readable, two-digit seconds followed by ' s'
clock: 5 h 35 min
